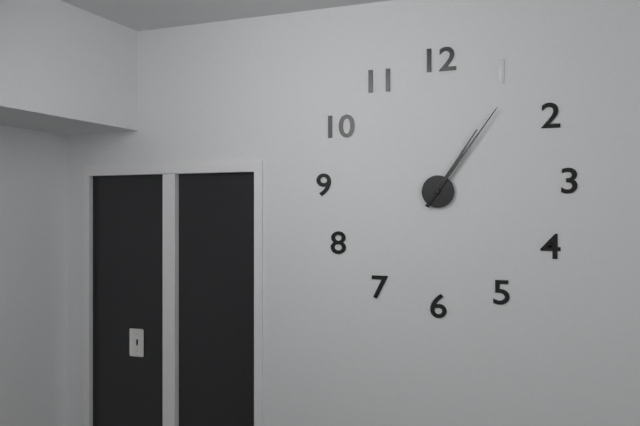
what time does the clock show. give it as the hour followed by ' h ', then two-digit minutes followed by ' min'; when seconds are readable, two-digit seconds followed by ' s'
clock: 1 h 06 min
